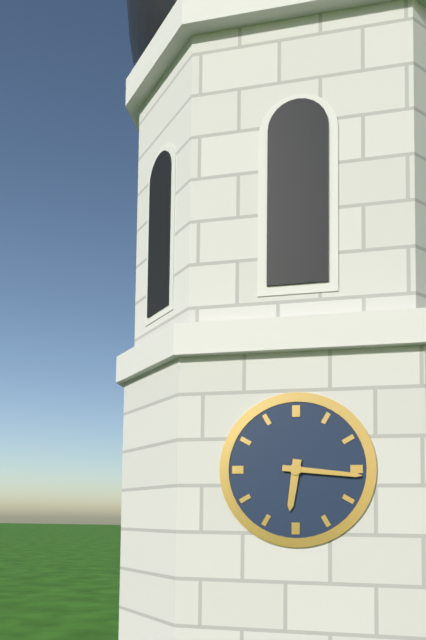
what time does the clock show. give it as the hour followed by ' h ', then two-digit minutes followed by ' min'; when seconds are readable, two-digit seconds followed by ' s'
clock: 6 h 16 min
